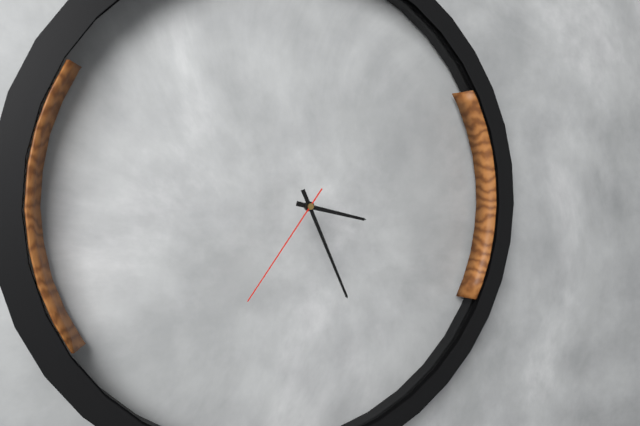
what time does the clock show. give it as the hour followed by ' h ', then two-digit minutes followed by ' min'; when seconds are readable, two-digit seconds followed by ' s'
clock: 3 h 26 min 36 s
